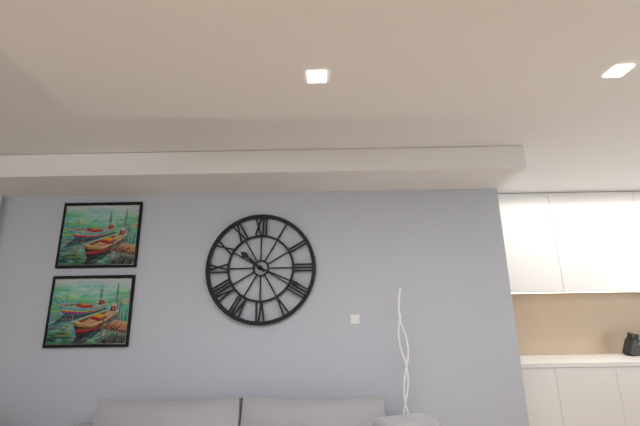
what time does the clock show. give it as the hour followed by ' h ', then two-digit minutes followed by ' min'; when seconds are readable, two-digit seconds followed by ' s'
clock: 10 h 19 min
